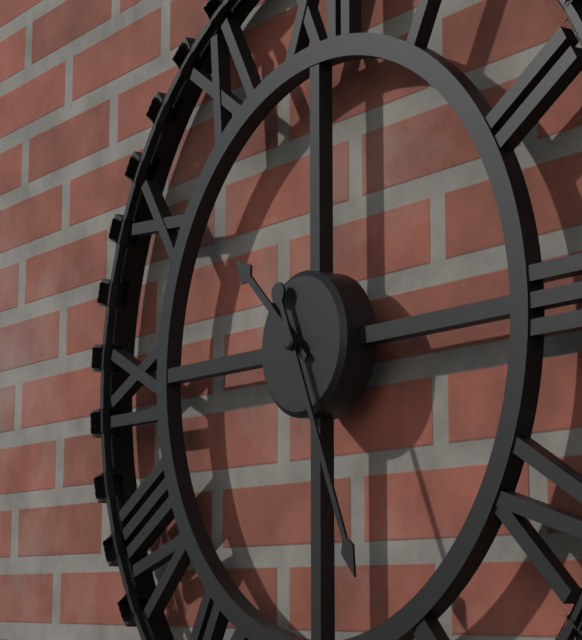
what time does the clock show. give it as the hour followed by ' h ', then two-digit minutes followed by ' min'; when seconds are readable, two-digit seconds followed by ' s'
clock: 10 h 26 min
